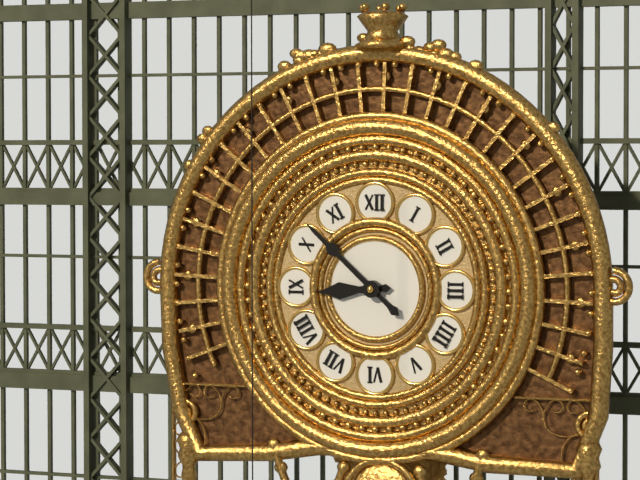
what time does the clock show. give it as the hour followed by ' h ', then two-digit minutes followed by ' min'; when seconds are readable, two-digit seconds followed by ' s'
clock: 8 h 52 min
